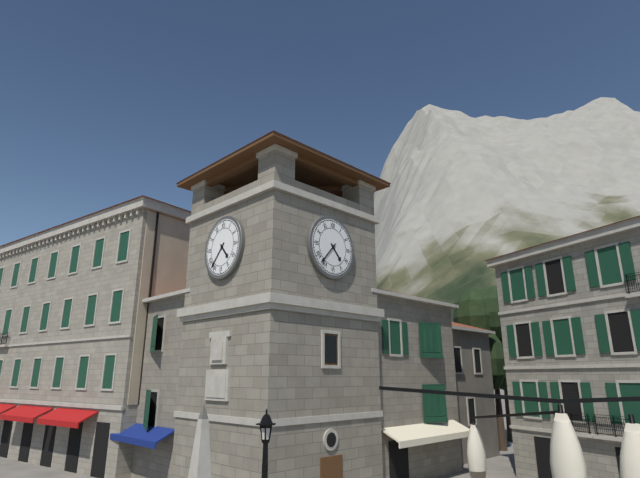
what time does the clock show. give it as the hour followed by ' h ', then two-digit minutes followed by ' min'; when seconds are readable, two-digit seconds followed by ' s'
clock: 4 h 37 min
